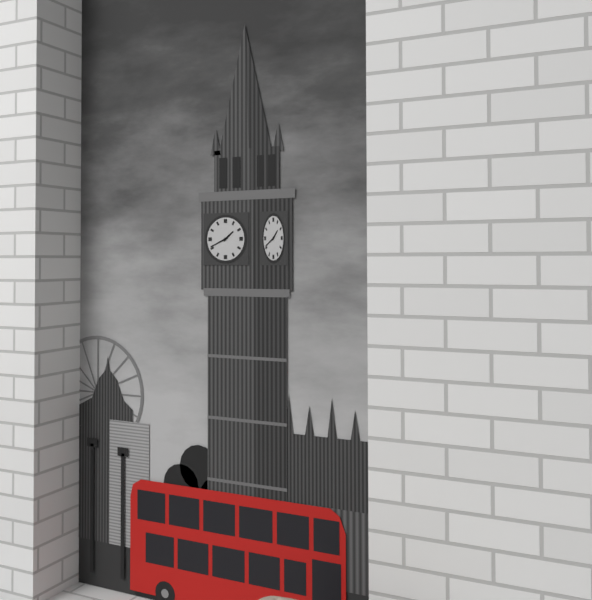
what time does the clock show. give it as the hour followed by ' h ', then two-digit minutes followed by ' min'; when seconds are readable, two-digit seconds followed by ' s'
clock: 1 h 41 min
